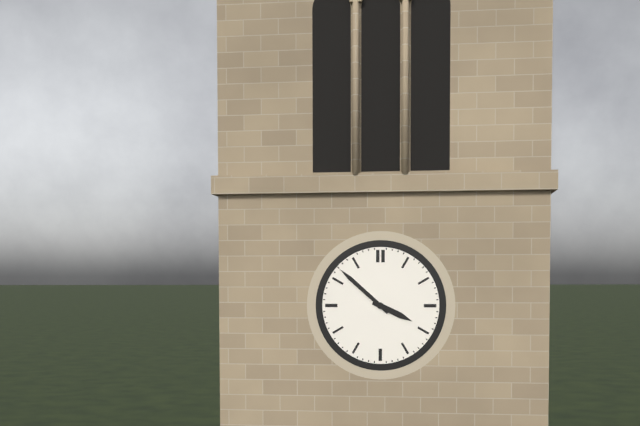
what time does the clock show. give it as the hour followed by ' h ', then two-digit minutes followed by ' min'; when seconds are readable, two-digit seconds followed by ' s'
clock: 3 h 52 min
